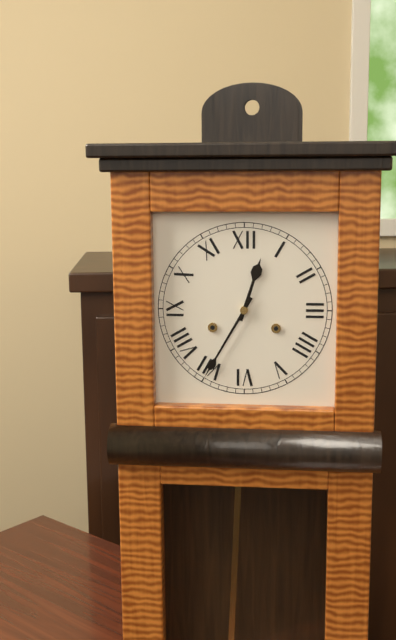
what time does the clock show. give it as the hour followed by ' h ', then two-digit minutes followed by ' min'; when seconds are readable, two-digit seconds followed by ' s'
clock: 12 h 35 min
